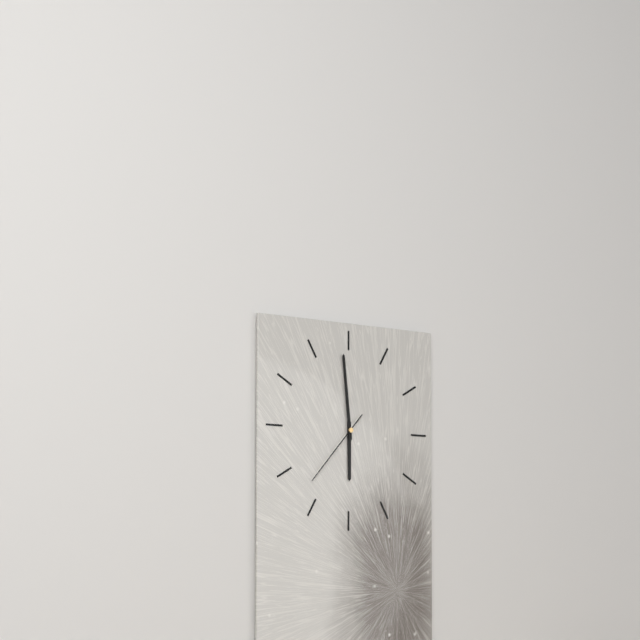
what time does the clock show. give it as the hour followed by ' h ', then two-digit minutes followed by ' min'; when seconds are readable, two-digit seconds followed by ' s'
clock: 5 h 59 min 37 s
